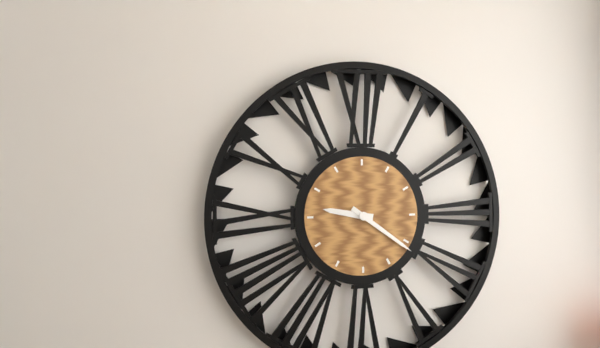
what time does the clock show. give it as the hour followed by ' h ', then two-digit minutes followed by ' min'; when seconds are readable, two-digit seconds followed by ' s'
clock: 9 h 21 min
